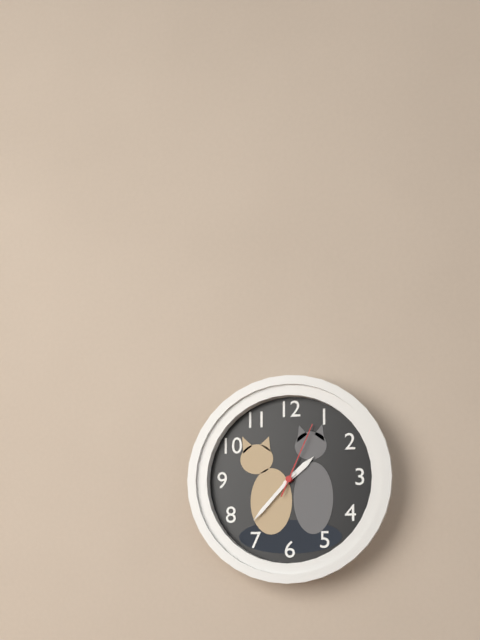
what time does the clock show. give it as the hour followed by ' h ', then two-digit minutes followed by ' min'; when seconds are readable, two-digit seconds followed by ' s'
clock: 1 h 37 min 04 s
